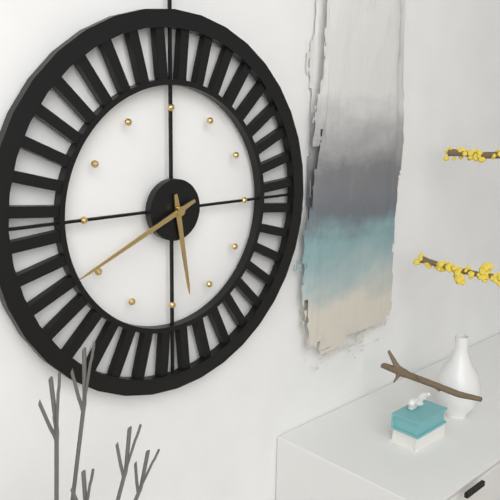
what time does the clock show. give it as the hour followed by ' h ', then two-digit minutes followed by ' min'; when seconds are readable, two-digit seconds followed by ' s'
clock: 5 h 41 min
